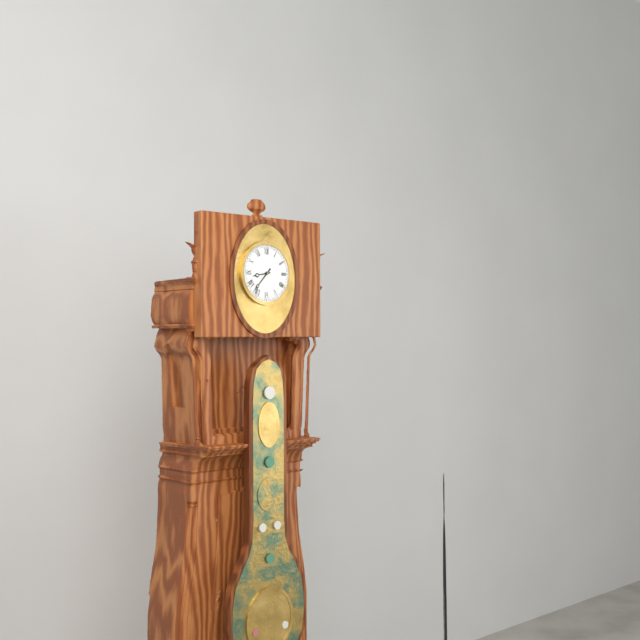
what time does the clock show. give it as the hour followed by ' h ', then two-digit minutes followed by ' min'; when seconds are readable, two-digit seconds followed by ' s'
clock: 8 h 37 min
